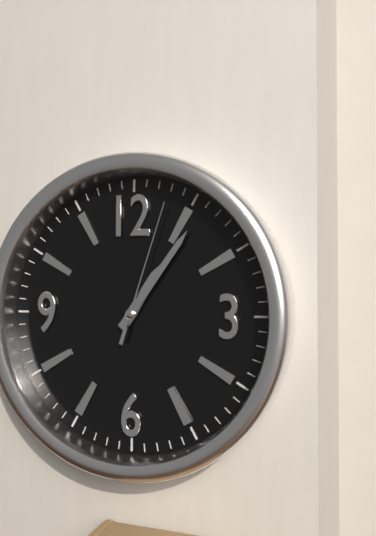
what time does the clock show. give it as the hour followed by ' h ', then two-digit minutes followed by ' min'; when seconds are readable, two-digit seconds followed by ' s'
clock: 1 h 06 min 03 s
